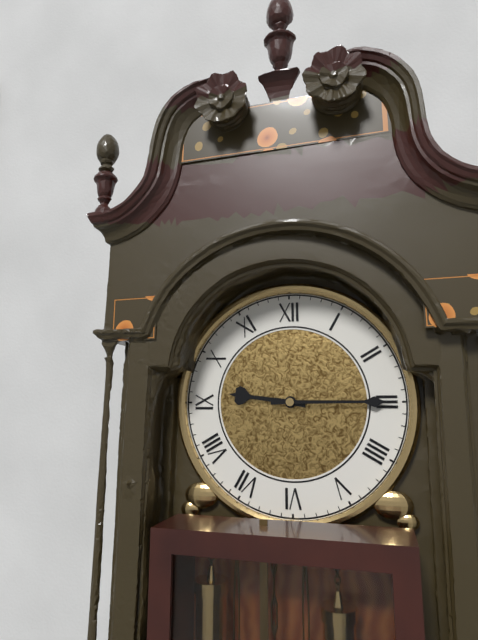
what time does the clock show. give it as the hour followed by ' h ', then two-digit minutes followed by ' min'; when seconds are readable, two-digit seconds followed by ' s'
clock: 9 h 15 min
